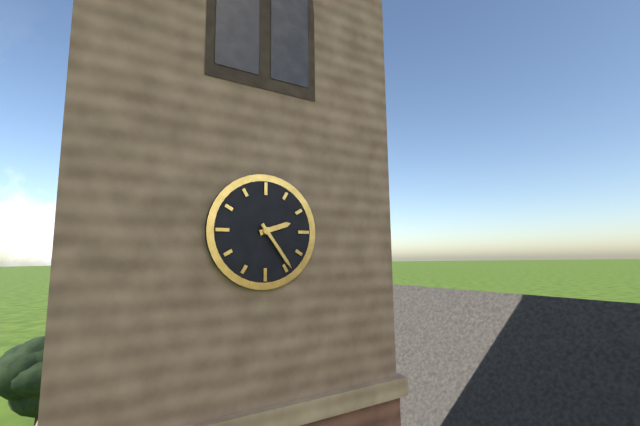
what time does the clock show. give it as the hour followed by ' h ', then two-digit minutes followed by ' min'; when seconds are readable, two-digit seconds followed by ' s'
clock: 2 h 24 min
